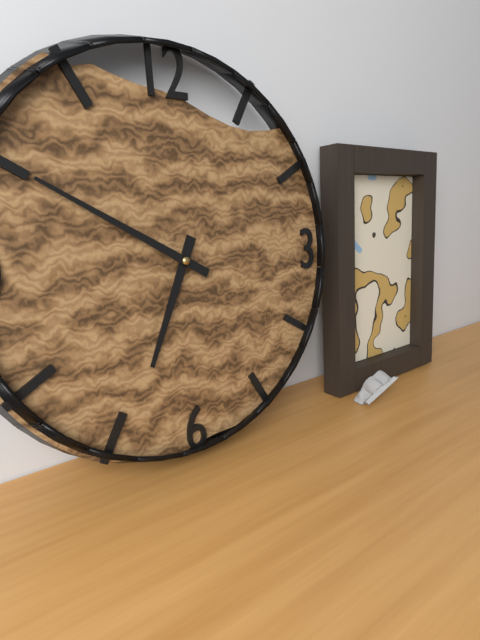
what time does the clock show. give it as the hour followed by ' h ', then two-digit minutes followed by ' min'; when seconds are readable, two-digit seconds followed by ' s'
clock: 6 h 50 min
